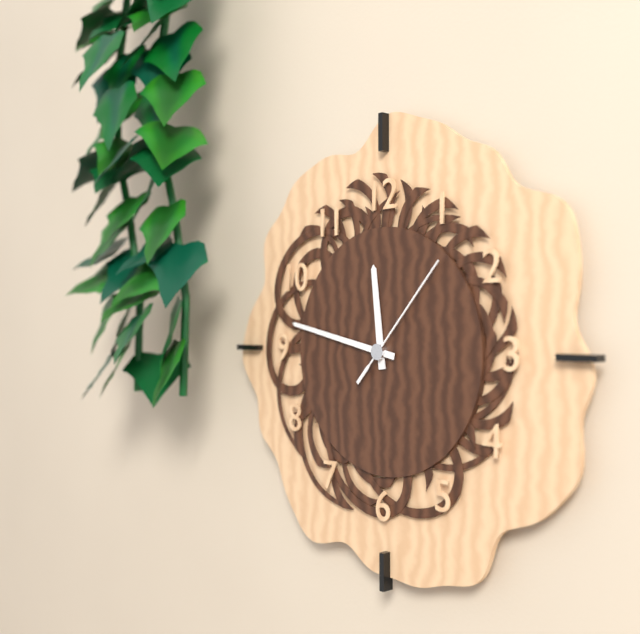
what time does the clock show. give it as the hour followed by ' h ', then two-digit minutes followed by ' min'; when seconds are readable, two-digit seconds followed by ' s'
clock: 11 h 47 min 07 s
